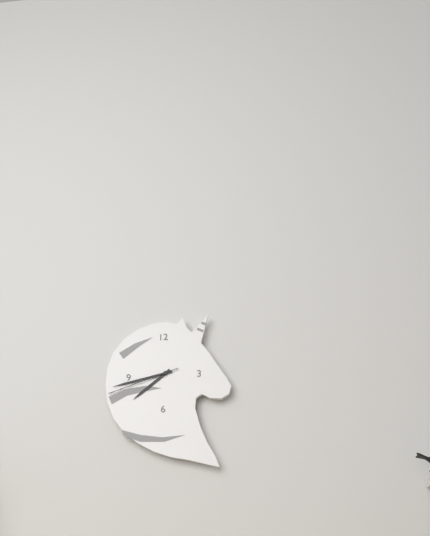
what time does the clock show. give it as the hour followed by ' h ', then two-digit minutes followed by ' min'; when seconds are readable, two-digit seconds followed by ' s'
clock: 7 h 43 min 42 s
